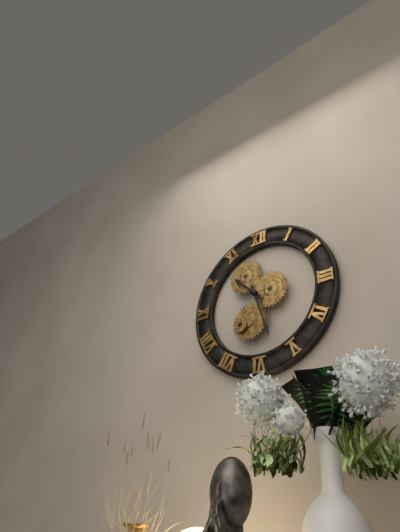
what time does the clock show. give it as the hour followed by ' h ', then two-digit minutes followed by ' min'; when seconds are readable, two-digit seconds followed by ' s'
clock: 10 h 27 min
